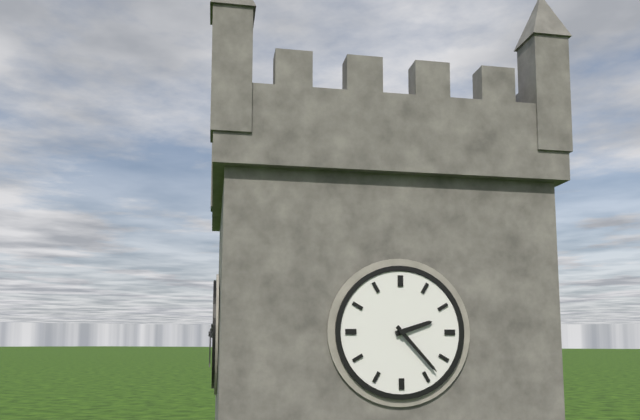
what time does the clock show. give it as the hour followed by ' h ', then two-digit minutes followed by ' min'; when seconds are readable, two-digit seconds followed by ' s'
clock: 2 h 23 min
